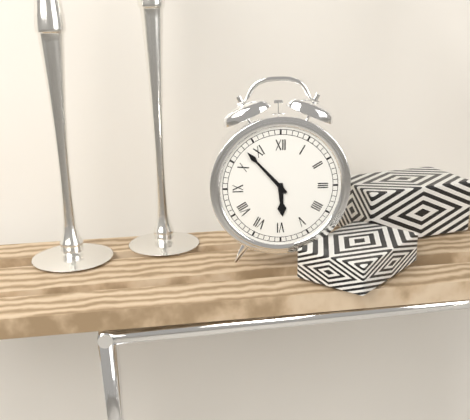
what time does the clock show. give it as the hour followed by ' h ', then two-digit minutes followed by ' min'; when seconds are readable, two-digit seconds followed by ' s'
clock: 5 h 53 min
